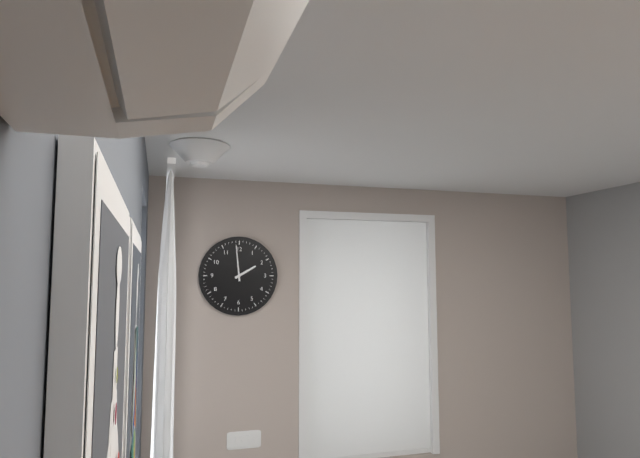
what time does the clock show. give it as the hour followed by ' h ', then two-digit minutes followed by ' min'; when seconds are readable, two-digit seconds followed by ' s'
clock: 1 h 59 min
